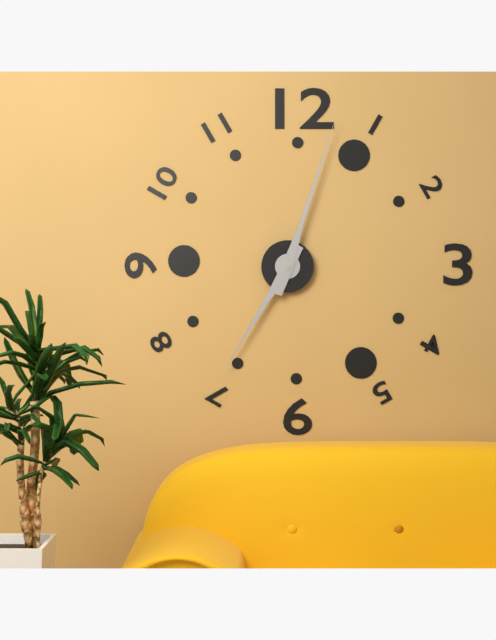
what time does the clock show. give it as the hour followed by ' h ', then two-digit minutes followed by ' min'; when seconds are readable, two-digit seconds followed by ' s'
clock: 7 h 03 min
